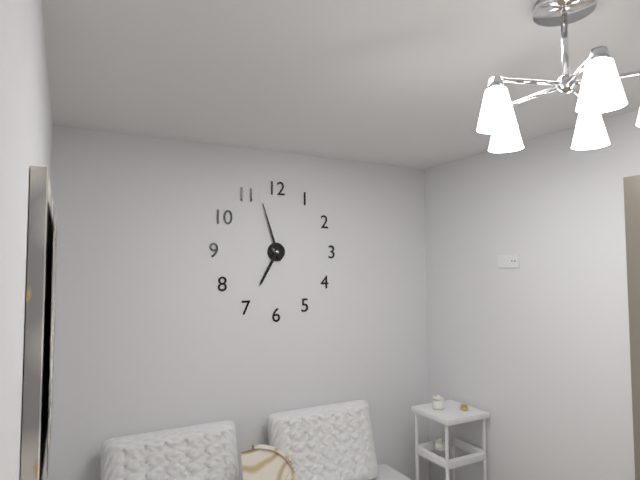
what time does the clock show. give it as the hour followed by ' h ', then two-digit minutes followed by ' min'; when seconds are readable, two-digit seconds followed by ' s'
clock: 6 h 57 min
